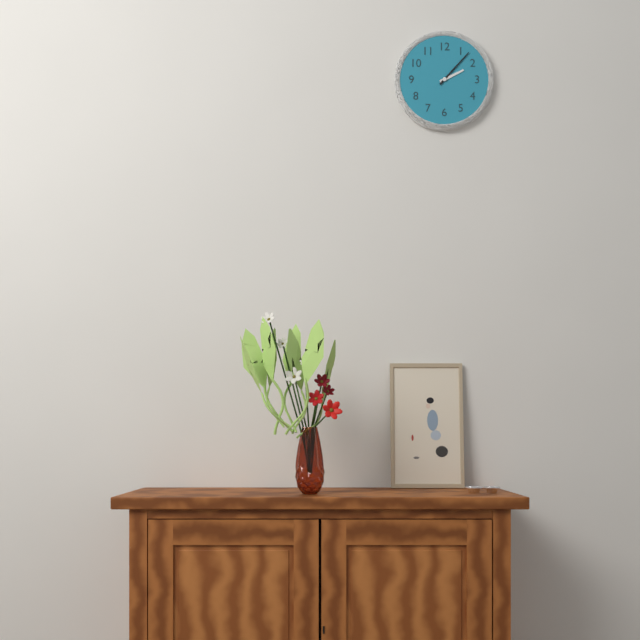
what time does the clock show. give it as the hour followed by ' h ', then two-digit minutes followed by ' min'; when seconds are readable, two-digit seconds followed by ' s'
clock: 2 h 07 min
